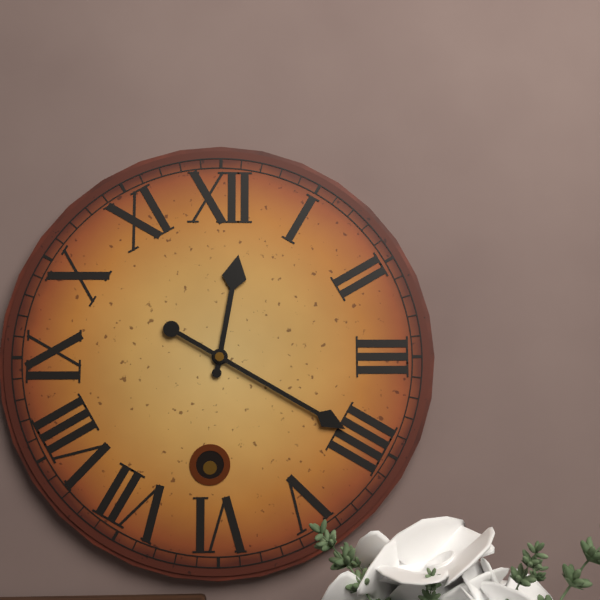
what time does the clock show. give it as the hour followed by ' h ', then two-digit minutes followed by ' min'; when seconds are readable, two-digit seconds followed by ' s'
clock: 12 h 20 min
